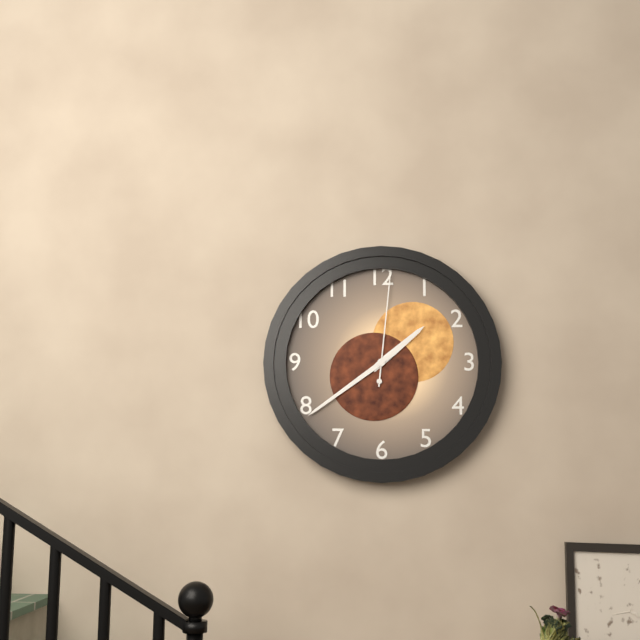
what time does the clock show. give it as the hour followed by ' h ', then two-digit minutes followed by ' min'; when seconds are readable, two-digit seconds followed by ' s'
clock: 1 h 39 min 01 s
